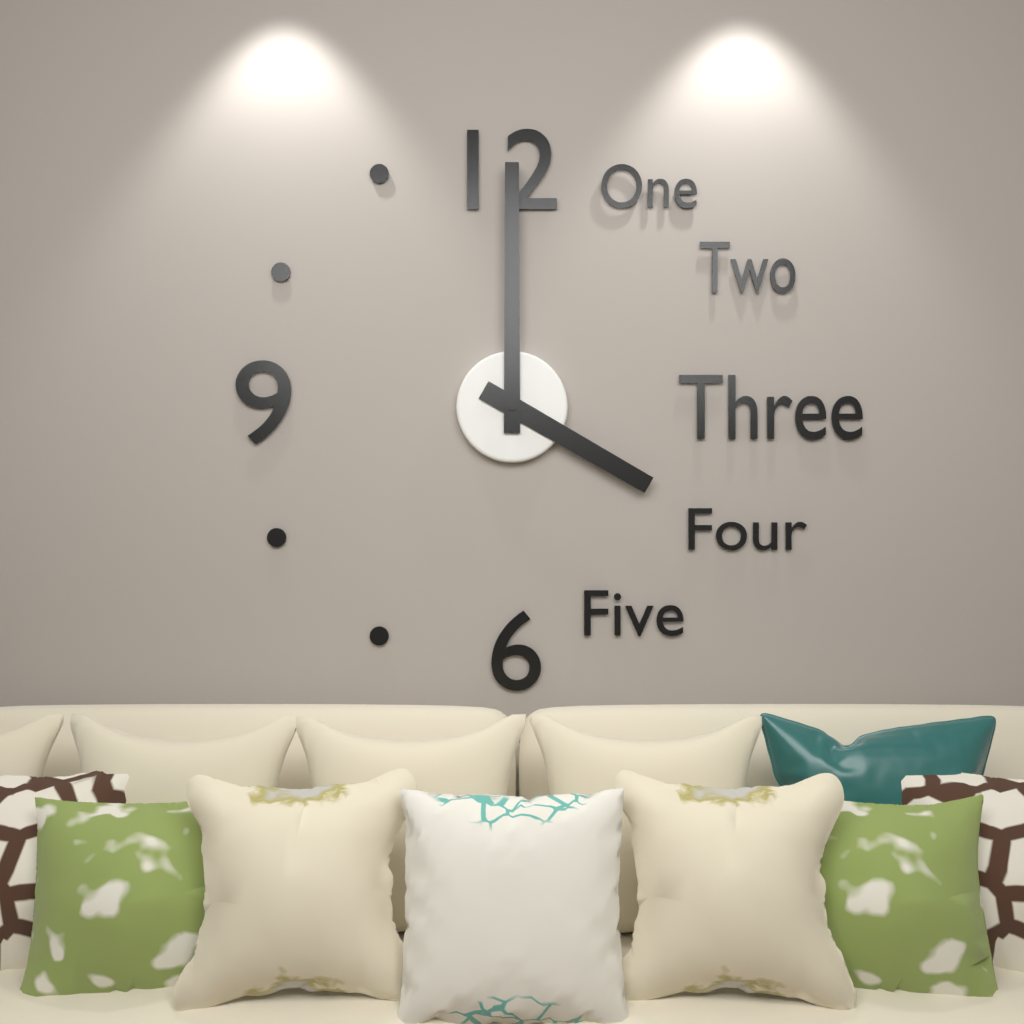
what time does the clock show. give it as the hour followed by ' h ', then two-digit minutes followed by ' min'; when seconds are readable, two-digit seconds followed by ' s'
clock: 4 h 00 min
